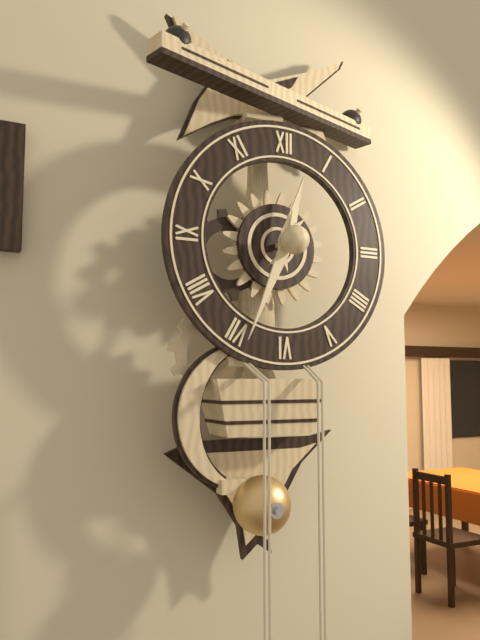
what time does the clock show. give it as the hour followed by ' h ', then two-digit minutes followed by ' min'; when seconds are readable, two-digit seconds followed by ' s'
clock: 12 h 34 min
